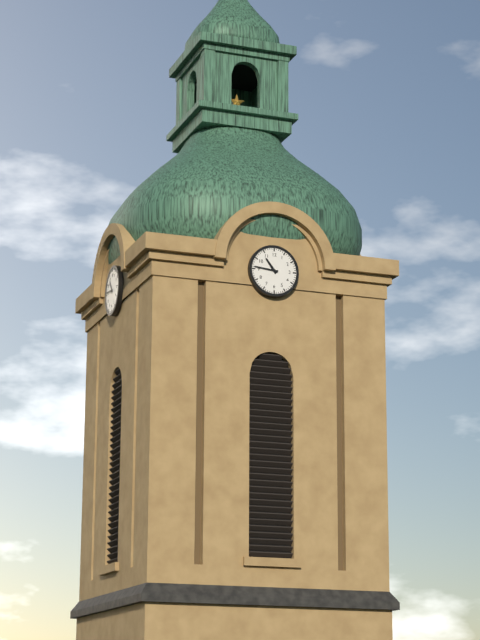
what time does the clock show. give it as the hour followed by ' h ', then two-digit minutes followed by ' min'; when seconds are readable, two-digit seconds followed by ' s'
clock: 10 h 46 min
